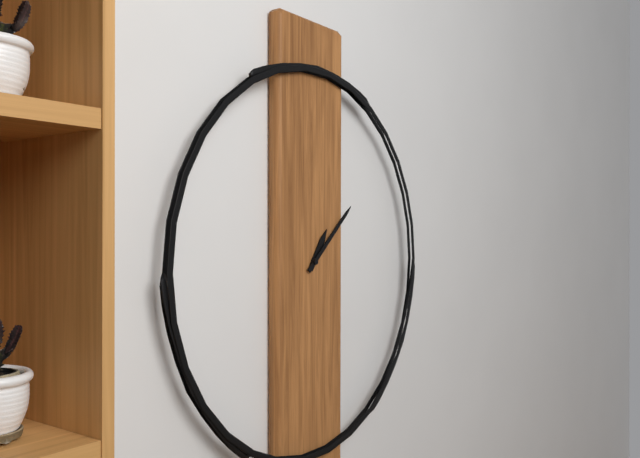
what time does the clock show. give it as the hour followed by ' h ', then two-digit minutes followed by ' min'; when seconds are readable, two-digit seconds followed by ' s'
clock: 1 h 08 min
